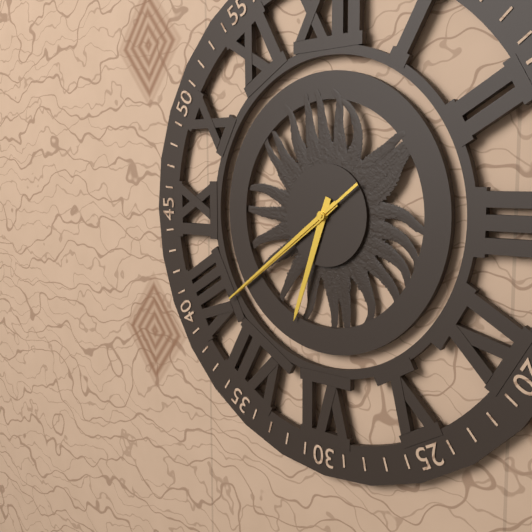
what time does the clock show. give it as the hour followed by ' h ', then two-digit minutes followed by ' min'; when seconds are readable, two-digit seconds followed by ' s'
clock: 6 h 39 min 39 s
